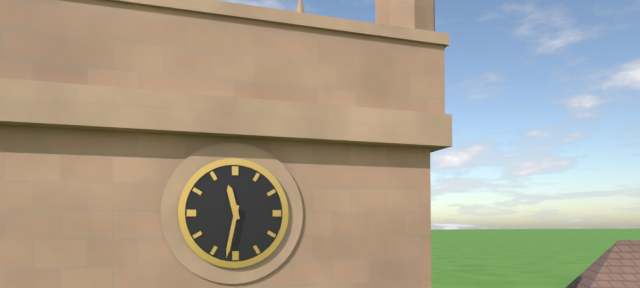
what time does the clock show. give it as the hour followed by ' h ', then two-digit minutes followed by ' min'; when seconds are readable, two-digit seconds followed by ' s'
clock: 11 h 32 min
